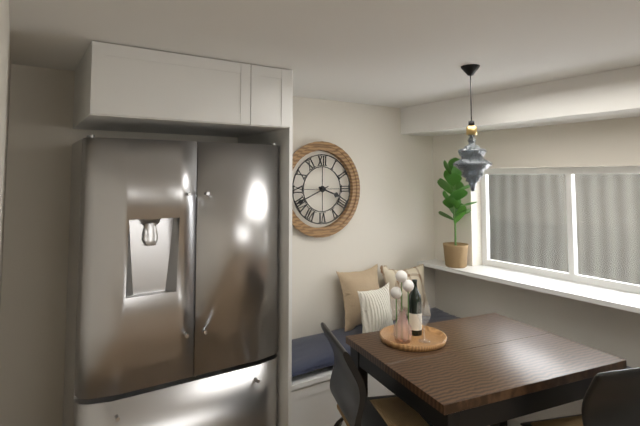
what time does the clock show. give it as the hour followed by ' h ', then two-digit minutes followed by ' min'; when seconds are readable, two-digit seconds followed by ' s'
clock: 3 h 41 min
